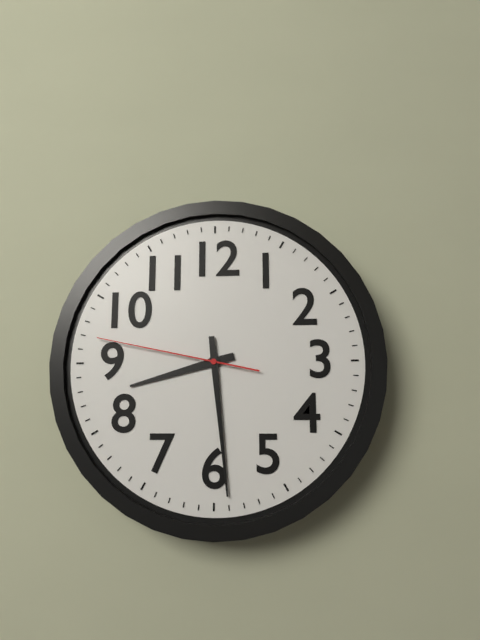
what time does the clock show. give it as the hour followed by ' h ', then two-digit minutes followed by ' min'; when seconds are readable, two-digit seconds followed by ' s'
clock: 8 h 29 min 47 s
